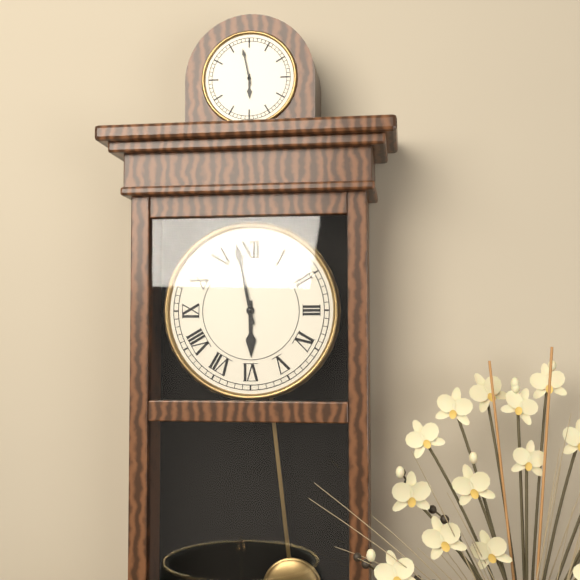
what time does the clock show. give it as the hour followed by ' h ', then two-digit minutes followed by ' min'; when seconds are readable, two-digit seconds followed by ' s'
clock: 5 h 58 min
